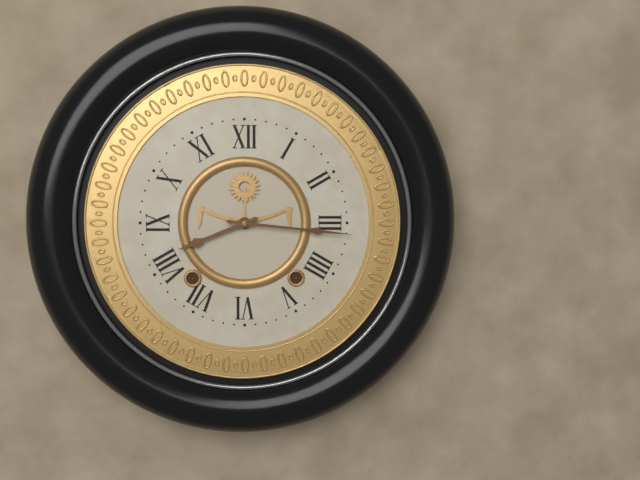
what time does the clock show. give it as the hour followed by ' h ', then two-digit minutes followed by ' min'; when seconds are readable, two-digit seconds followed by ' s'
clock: 8 h 16 min
